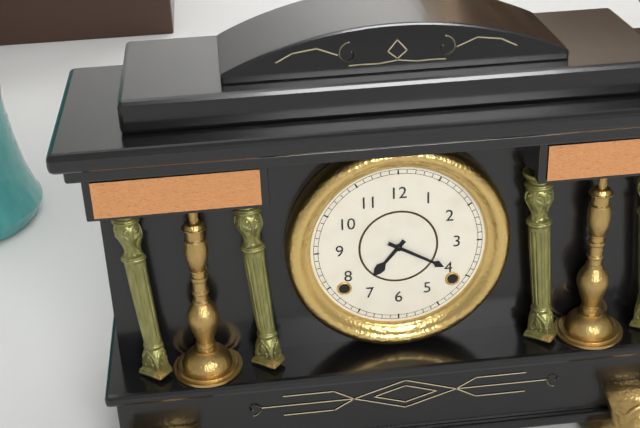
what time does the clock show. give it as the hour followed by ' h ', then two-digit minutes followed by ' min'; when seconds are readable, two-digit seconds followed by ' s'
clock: 7 h 20 min
